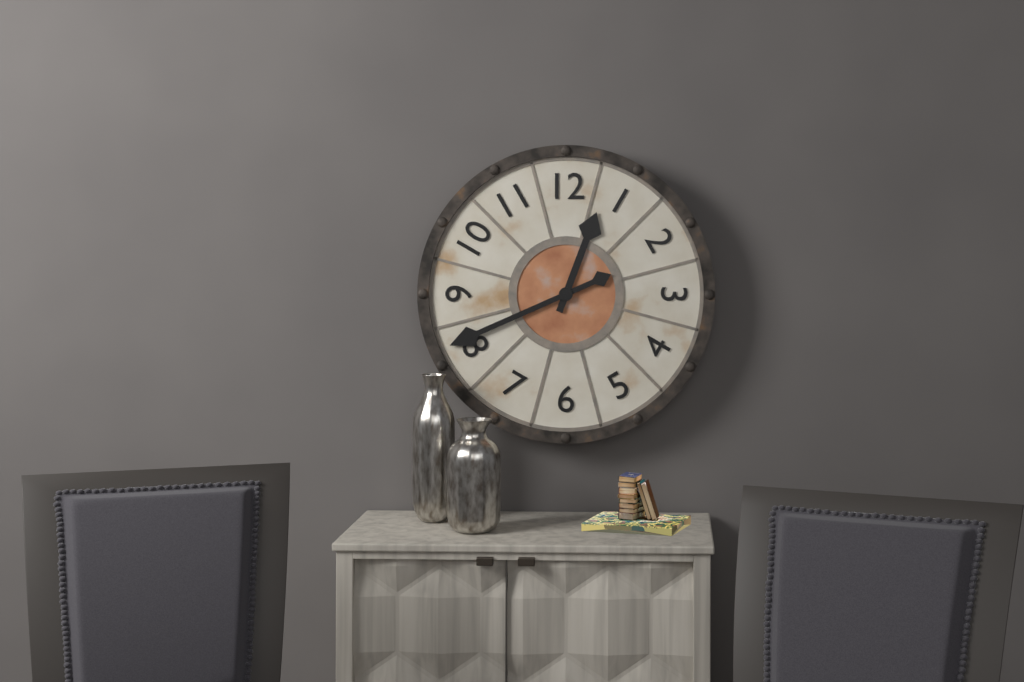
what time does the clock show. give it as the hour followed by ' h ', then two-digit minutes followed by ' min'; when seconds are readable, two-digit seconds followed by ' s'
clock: 12 h 41 min
